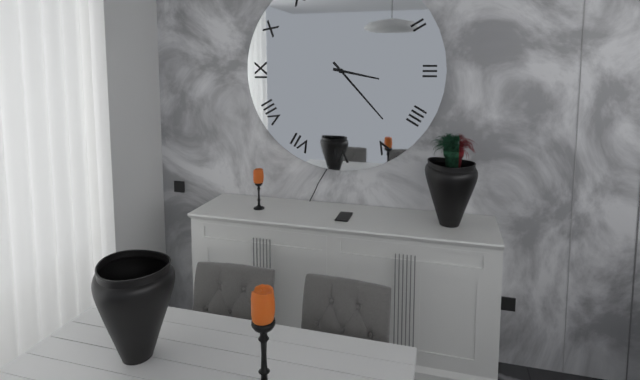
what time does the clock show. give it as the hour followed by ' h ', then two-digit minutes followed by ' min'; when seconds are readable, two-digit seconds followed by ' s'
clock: 3 h 23 min
